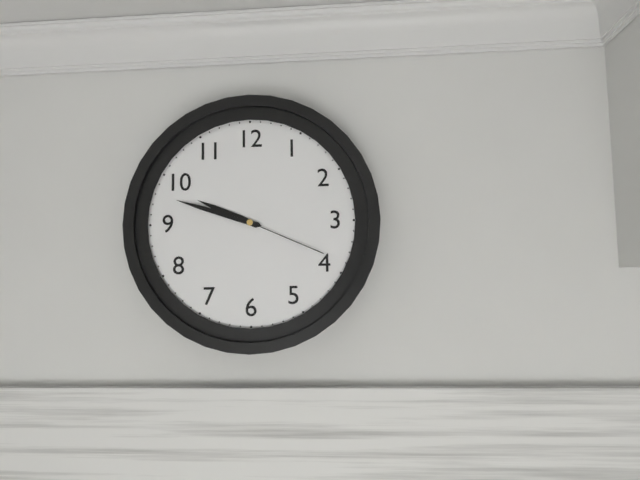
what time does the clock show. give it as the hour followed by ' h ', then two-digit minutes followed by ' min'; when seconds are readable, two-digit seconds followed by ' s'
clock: 9 h 48 min 19 s
